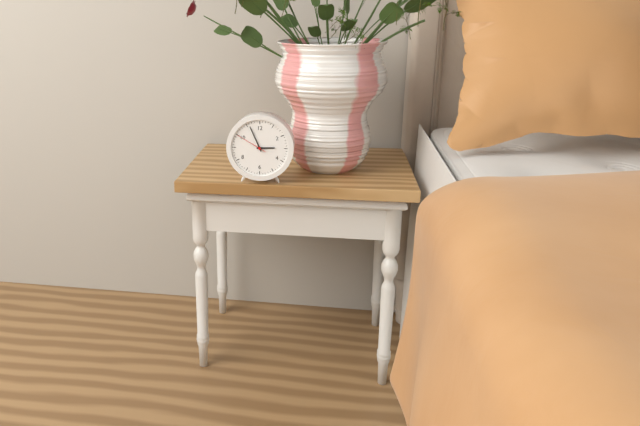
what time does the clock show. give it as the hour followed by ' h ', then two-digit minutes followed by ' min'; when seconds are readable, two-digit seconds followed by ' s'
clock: 2 h 56 min
